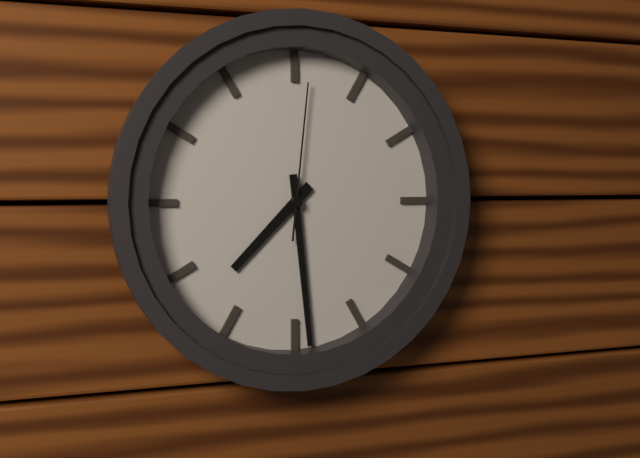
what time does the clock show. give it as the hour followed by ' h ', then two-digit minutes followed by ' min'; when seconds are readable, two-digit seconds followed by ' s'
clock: 7 h 29 min 01 s
